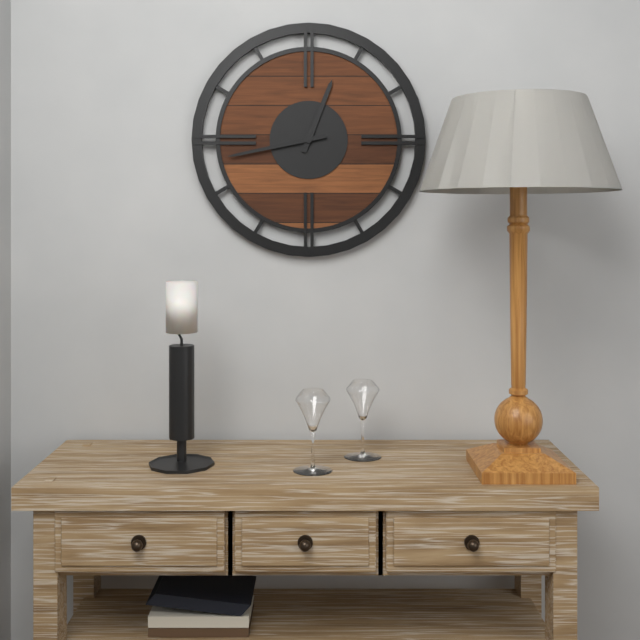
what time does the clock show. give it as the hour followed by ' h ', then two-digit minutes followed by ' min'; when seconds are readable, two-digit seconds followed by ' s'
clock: 12 h 43 min
